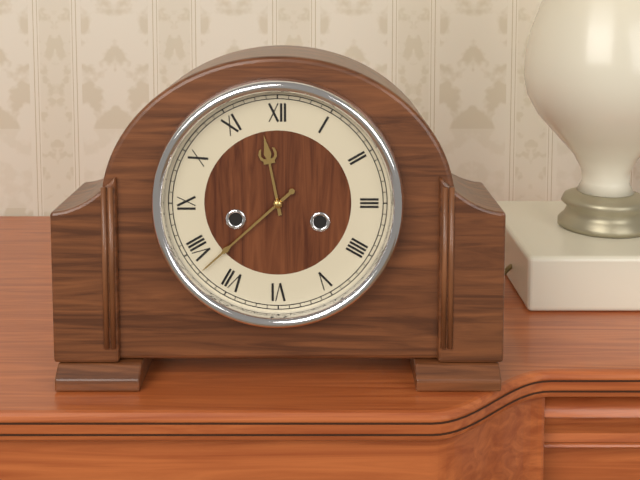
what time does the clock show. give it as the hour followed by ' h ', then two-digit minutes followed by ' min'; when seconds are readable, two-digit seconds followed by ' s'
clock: 11 h 38 min
